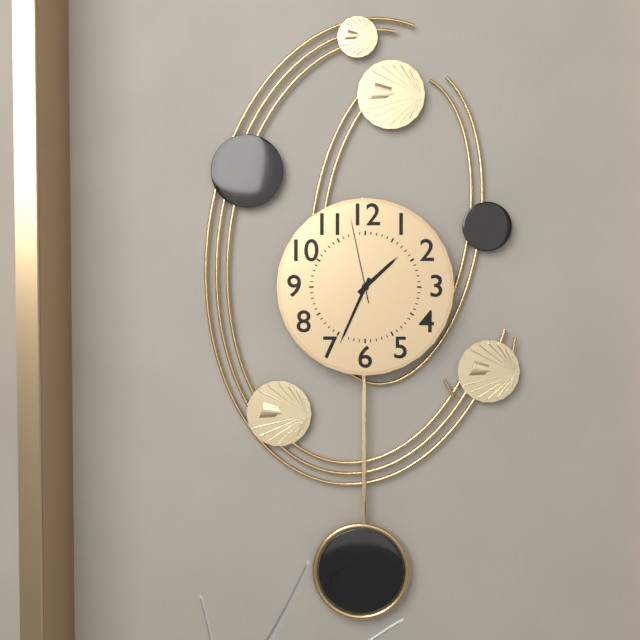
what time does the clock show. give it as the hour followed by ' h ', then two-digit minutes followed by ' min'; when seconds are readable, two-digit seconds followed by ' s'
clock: 1 h 34 min 58 s
